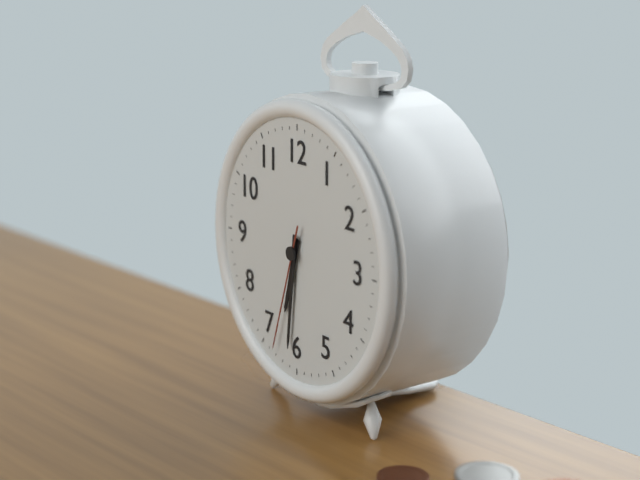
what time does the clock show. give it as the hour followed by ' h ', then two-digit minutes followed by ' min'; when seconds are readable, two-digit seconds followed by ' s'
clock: 6 h 31 min 33 s
